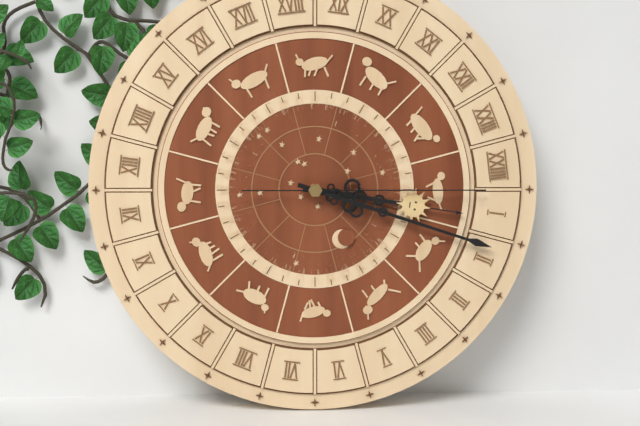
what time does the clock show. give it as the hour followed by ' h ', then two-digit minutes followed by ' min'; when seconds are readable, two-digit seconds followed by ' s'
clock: 3 h 18 min 15 s
